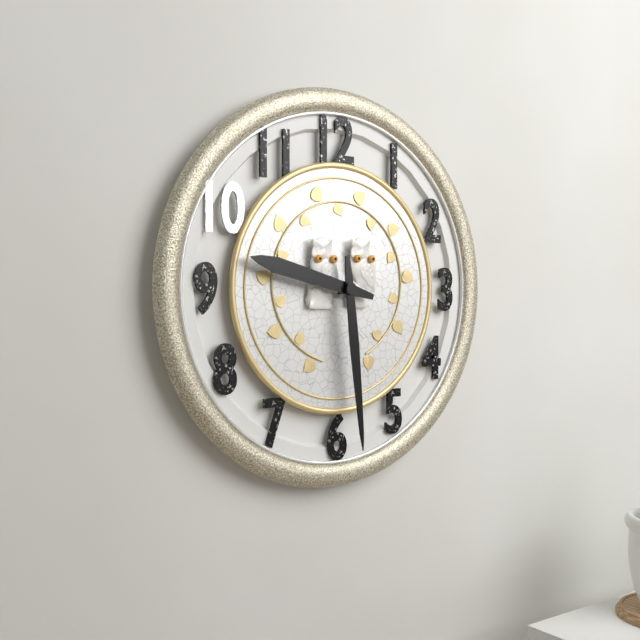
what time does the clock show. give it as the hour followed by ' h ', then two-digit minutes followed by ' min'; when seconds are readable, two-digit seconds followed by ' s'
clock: 9 h 29 min
